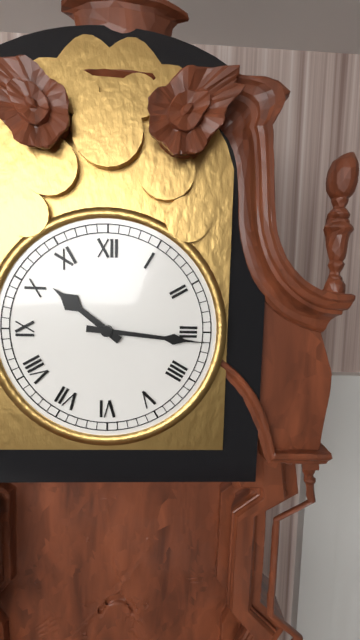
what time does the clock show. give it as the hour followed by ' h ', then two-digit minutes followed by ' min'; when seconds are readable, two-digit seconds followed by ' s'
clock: 10 h 16 min
